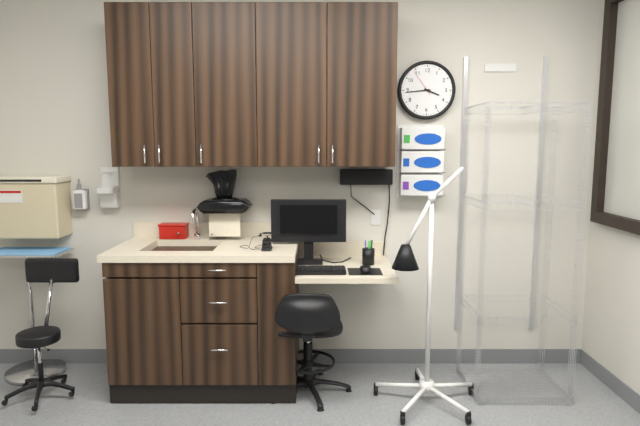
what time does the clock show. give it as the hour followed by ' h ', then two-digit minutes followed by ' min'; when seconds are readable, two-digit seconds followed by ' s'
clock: 3 h 44 min
